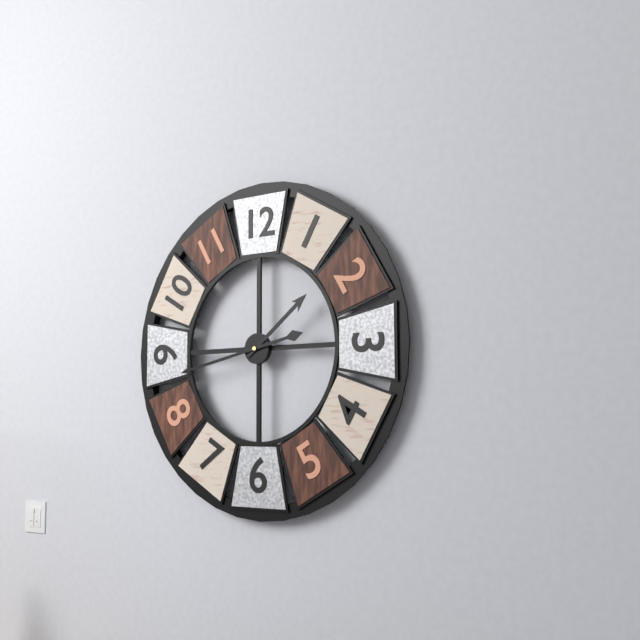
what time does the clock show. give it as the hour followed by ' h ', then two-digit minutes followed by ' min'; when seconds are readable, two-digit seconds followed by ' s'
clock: 1 h 43 min
